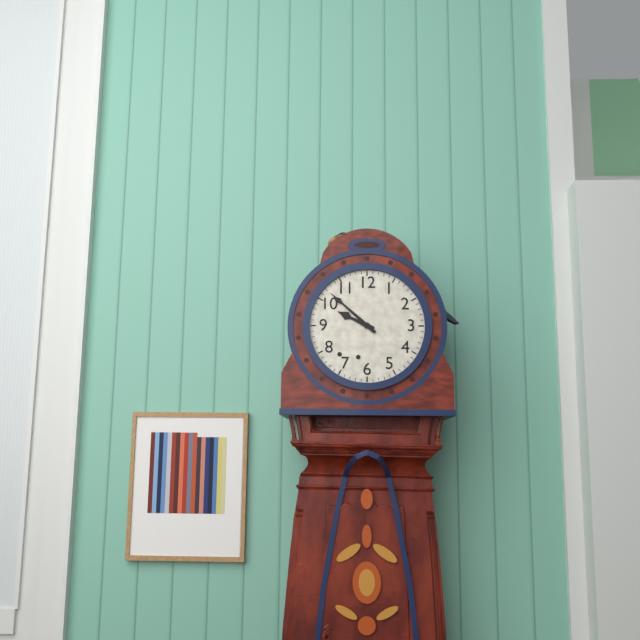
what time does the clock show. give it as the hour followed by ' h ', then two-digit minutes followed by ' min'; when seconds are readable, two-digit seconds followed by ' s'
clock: 9 h 52 min
